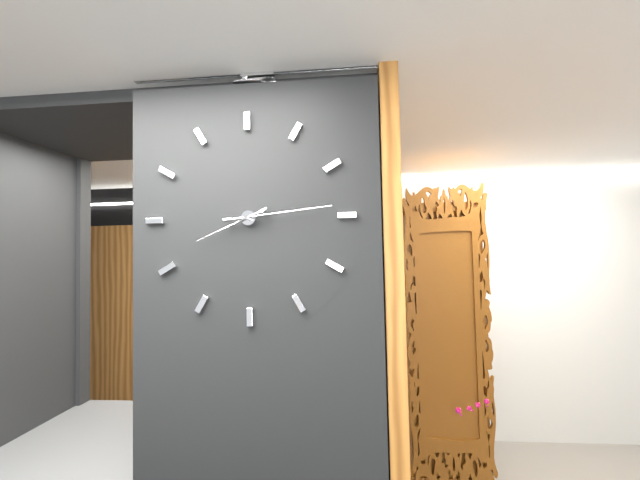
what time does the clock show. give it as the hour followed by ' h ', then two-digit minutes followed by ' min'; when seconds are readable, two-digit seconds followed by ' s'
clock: 8 h 14 min
